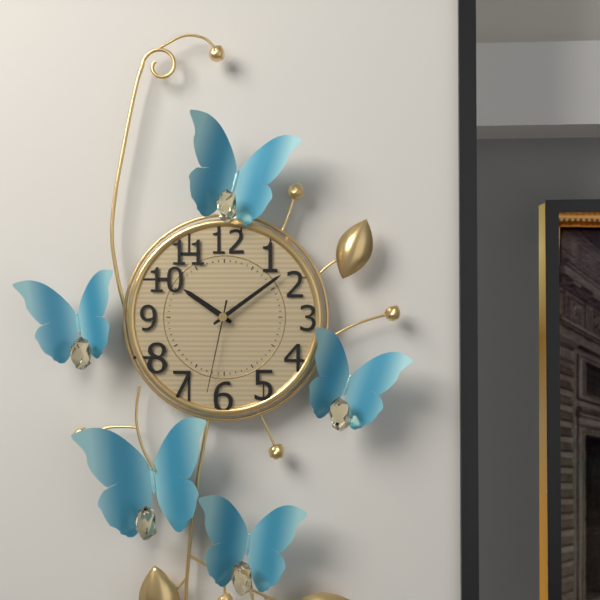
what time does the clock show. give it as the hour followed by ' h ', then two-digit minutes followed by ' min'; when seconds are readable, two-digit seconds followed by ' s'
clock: 10 h 09 min 32 s
